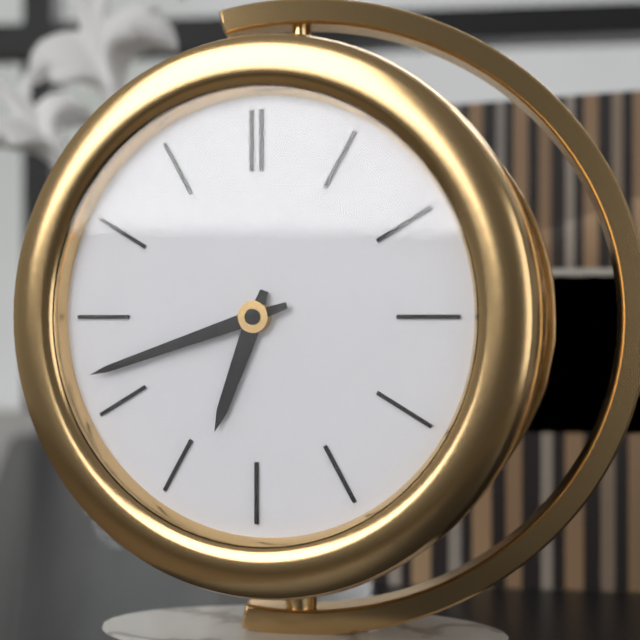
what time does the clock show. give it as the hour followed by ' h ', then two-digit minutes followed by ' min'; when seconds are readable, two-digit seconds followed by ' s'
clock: 6 h 42 min
